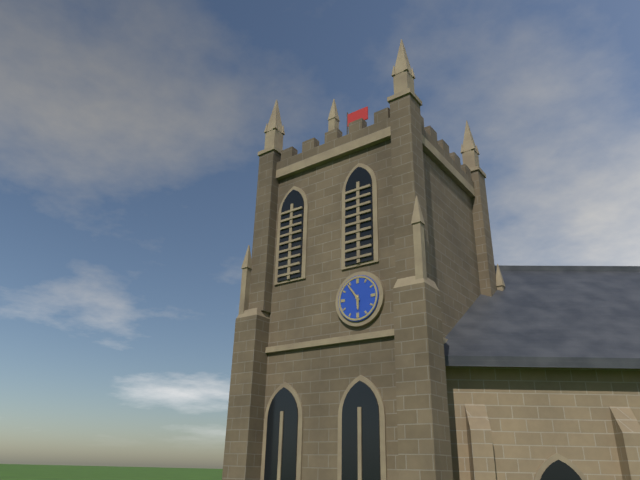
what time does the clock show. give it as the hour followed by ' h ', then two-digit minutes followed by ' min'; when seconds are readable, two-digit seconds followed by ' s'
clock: 5 h 54 min
